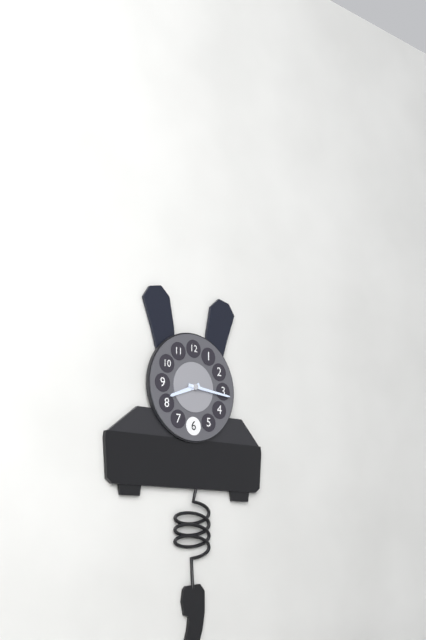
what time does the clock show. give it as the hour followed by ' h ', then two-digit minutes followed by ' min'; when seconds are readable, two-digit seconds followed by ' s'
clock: 8 h 16 min
